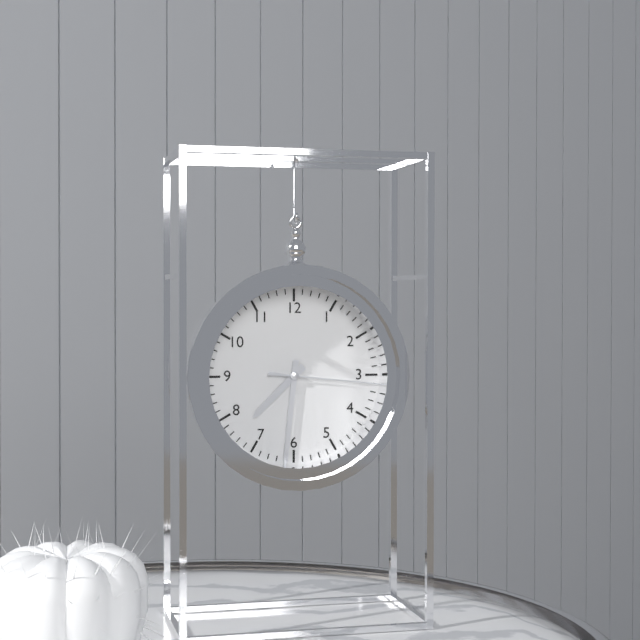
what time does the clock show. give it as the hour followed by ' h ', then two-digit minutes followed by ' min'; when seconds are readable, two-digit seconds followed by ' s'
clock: 7 h 31 min 16 s
